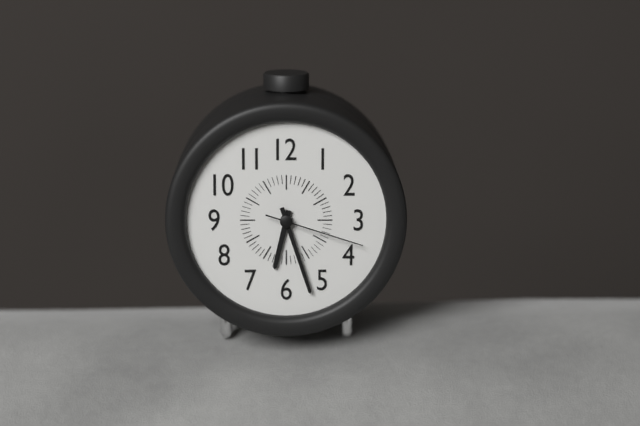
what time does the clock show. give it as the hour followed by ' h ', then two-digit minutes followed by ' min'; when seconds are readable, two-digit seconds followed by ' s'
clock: 6 h 27 min 18 s
